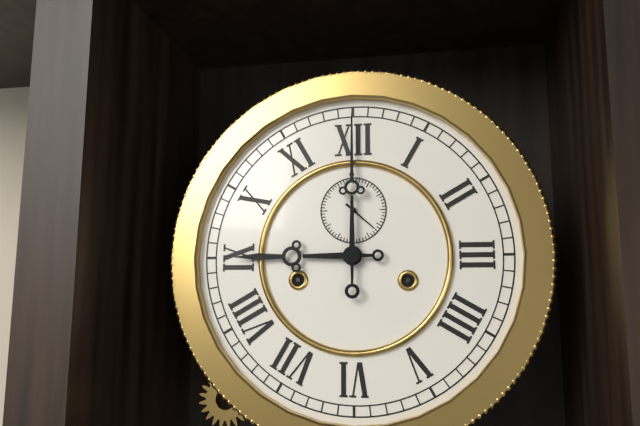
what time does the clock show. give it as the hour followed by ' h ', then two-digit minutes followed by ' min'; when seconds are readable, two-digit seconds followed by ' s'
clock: 9 h 00 min
